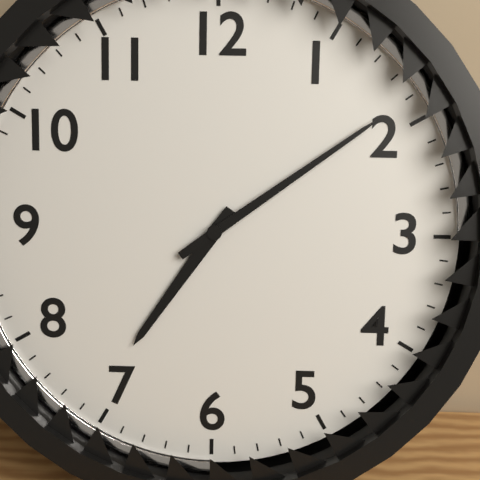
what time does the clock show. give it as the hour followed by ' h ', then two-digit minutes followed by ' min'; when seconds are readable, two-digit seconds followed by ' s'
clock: 7 h 09 min
